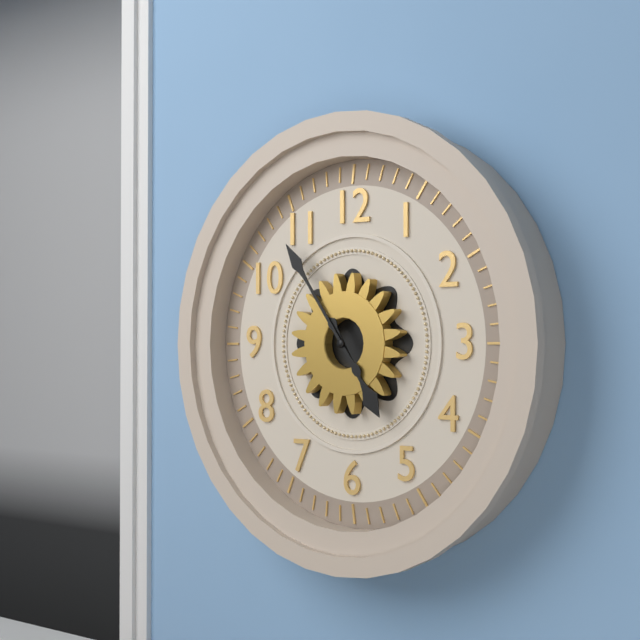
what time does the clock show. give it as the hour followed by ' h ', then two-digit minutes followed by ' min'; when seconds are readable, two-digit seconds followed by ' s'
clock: 4 h 54 min
